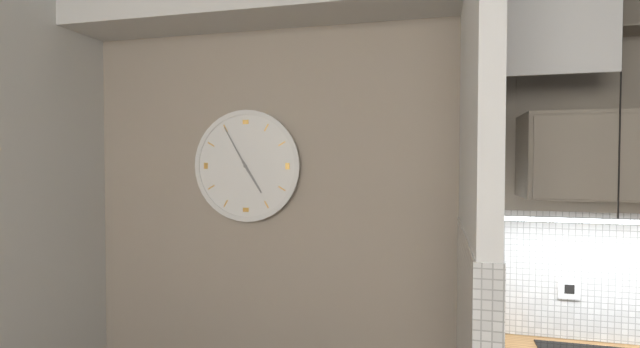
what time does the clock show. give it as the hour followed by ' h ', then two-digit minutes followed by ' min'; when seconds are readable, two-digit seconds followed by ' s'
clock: 4 h 55 min
